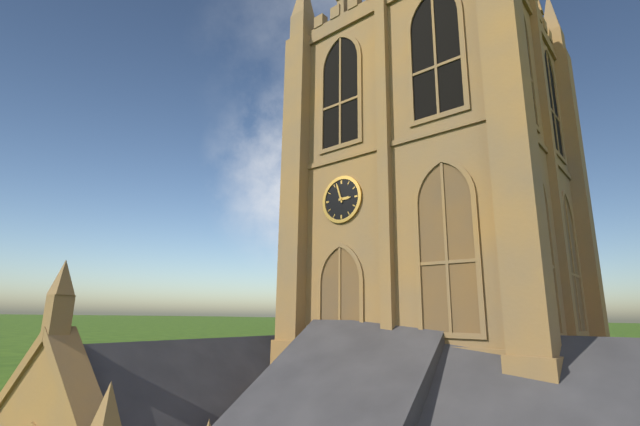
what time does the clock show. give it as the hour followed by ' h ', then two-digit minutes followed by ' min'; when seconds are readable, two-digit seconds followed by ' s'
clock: 2 h 57 min
